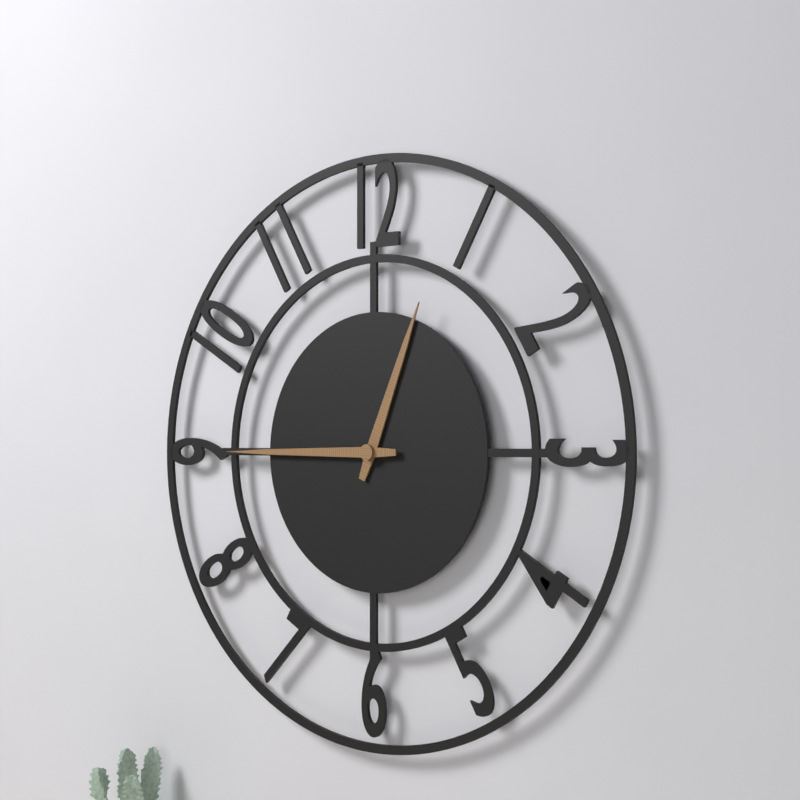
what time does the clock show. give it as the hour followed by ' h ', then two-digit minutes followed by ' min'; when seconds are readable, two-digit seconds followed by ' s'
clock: 12 h 45 min
